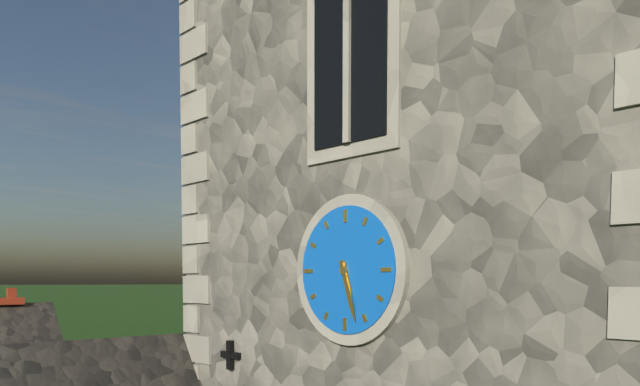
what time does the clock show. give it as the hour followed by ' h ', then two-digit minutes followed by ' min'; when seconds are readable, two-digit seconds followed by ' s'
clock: 5 h 27 min
